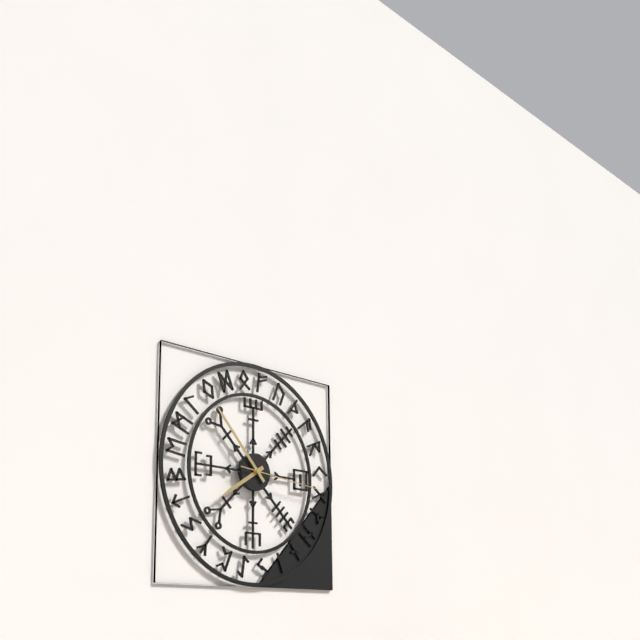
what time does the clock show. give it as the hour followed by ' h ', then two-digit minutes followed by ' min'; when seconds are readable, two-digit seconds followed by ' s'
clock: 7 h 53 min 16 s
